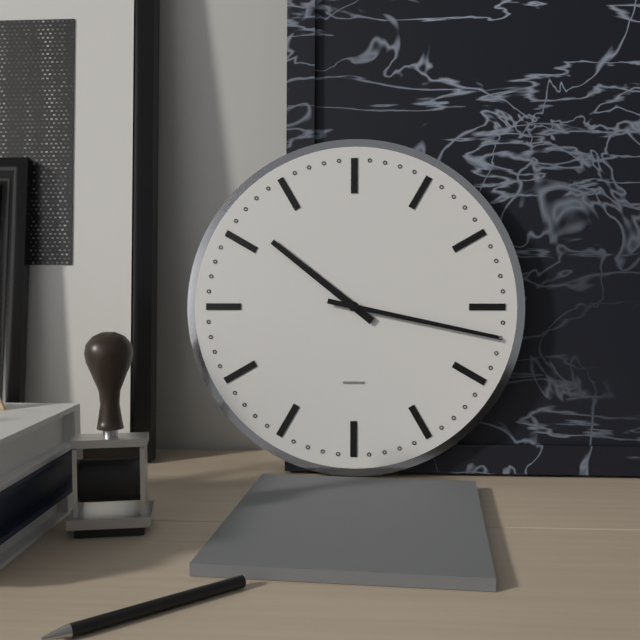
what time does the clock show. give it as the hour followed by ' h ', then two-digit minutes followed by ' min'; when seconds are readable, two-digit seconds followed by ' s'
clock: 10 h 17 min
